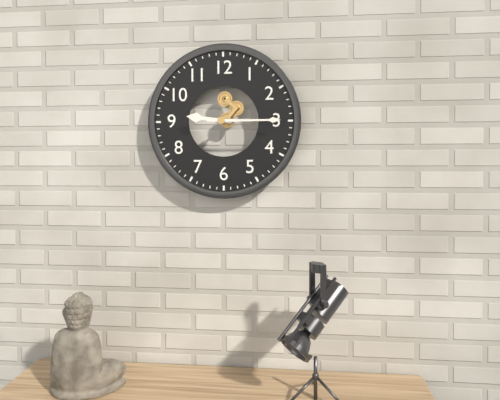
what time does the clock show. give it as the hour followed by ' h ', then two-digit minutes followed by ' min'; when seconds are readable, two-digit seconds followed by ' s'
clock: 9 h 15 min
